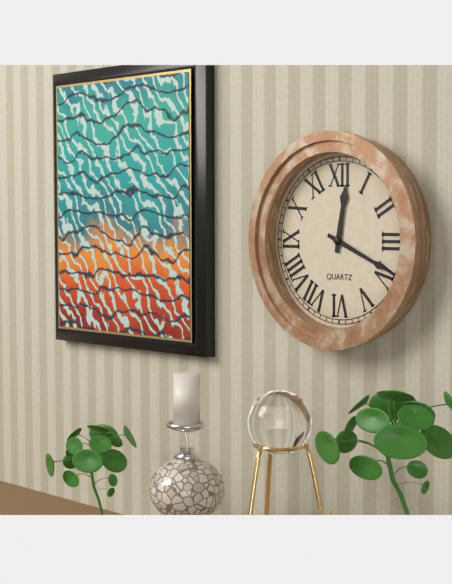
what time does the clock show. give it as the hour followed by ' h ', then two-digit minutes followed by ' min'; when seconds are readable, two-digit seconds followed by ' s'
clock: 12 h 19 min
